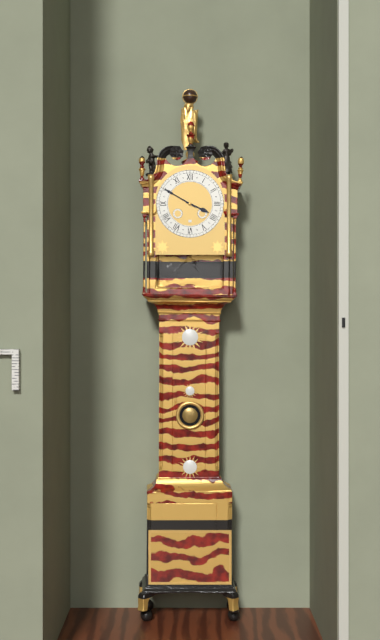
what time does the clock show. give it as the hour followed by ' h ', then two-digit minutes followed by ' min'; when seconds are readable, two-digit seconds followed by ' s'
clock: 3 h 50 min
